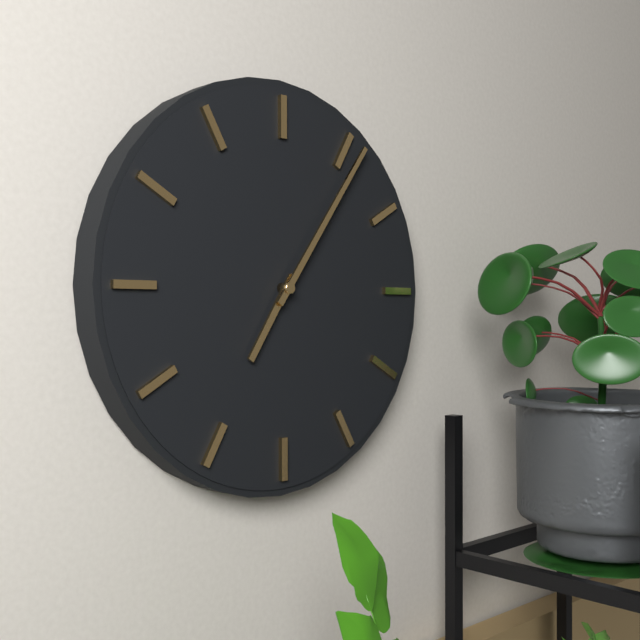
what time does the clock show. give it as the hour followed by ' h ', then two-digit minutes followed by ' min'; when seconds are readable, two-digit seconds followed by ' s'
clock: 7 h 06 min
